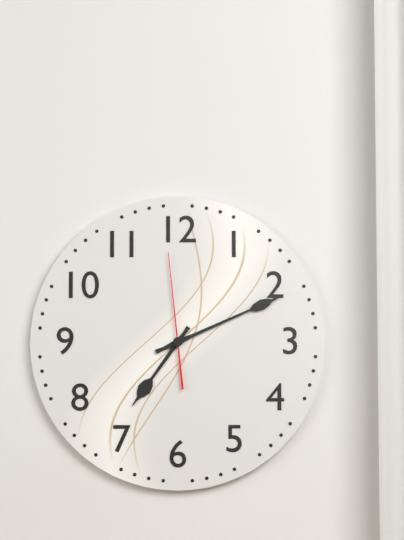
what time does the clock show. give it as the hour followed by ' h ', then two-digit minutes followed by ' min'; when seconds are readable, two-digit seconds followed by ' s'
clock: 7 h 11 min 59 s
